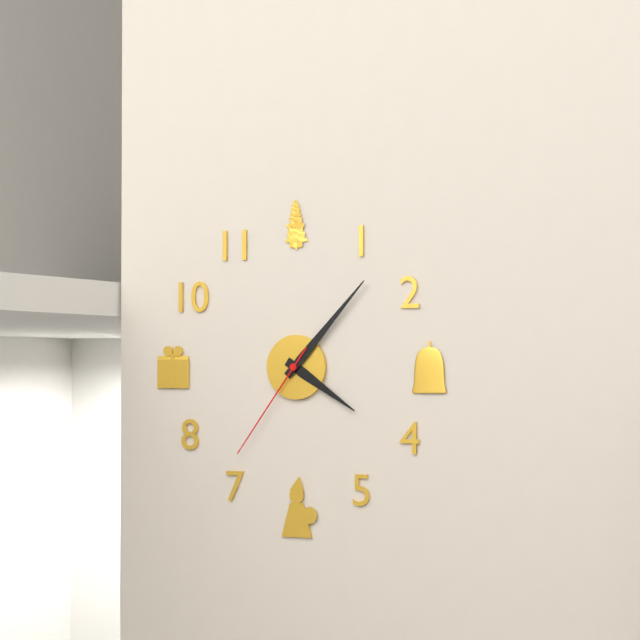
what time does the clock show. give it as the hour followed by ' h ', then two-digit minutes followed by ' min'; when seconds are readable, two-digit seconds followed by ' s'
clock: 4 h 07 min 36 s
